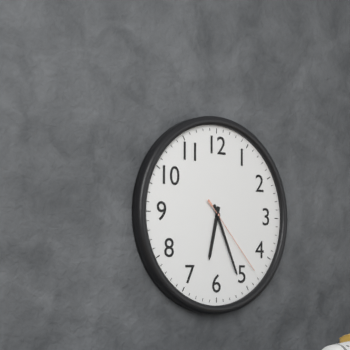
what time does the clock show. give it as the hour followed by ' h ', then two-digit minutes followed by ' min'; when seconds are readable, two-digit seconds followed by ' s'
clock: 6 h 26 min 23 s
